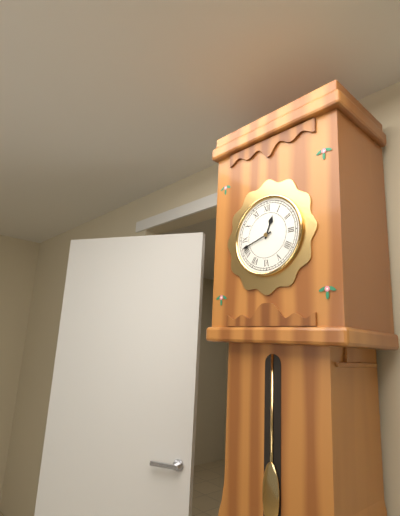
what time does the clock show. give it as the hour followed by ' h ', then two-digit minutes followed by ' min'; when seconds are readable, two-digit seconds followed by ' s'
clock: 12 h 42 min
